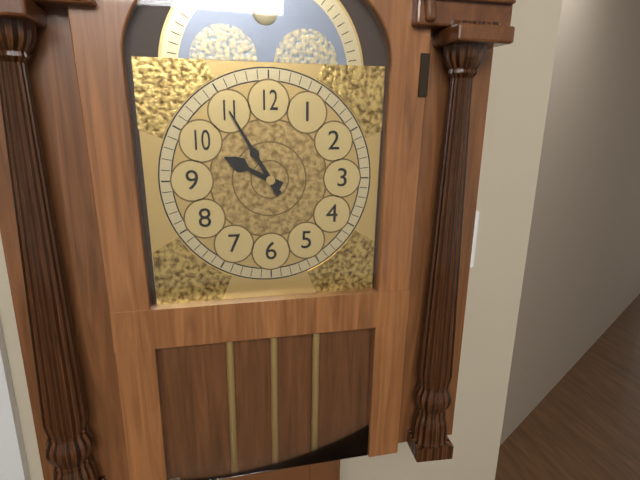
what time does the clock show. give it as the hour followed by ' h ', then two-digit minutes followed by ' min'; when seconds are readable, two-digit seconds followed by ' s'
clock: 9 h 55 min
